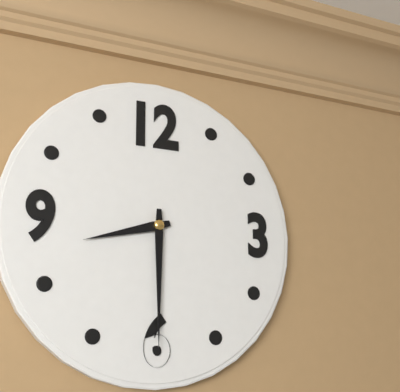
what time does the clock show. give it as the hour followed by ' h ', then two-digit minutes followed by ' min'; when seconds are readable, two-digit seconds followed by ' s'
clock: 8 h 30 min
